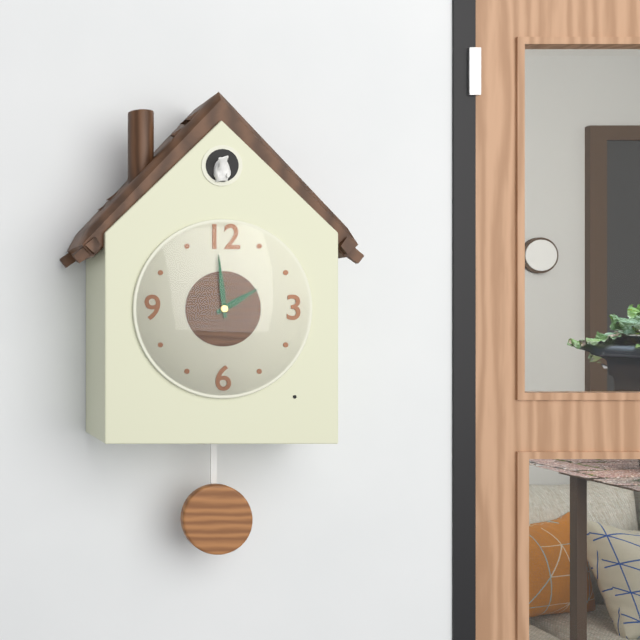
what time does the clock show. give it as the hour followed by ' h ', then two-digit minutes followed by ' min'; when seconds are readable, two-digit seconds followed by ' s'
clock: 1 h 59 min
